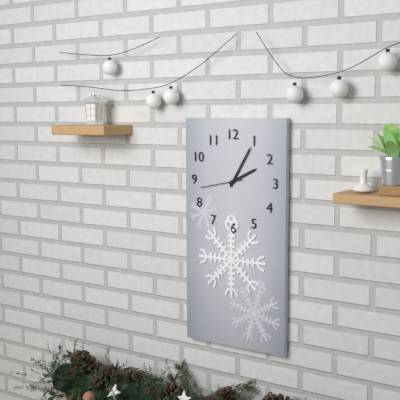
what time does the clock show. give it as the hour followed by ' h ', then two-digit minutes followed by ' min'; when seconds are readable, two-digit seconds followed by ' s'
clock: 2 h 05 min
